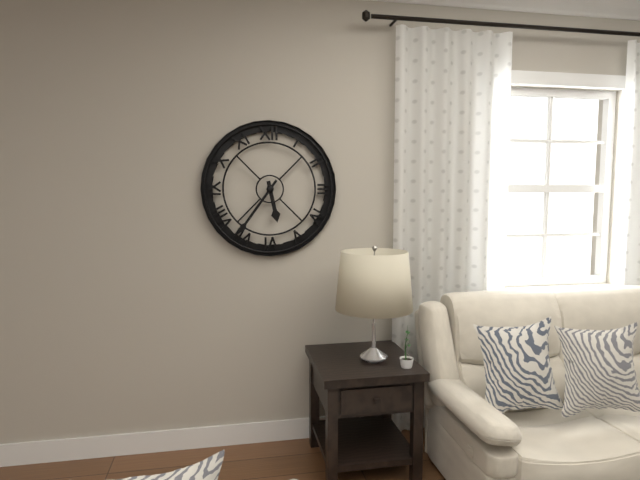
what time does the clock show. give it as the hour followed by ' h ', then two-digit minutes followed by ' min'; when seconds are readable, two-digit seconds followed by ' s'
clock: 5 h 36 min
